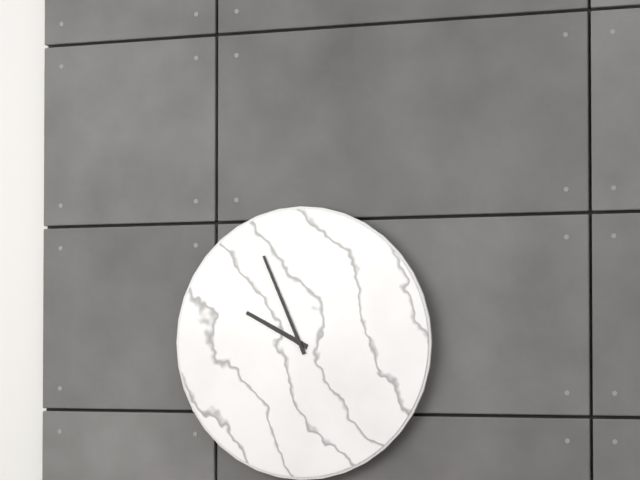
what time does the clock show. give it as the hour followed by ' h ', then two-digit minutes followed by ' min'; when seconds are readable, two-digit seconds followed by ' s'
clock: 9 h 56 min
